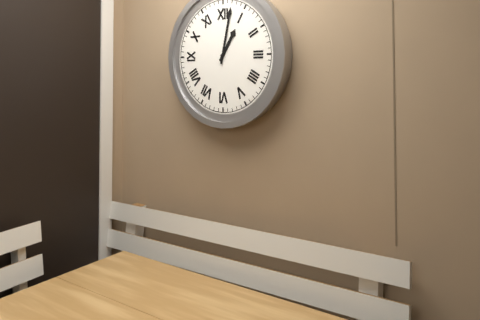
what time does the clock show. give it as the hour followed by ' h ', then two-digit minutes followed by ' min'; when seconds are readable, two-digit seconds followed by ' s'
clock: 1 h 02 min
